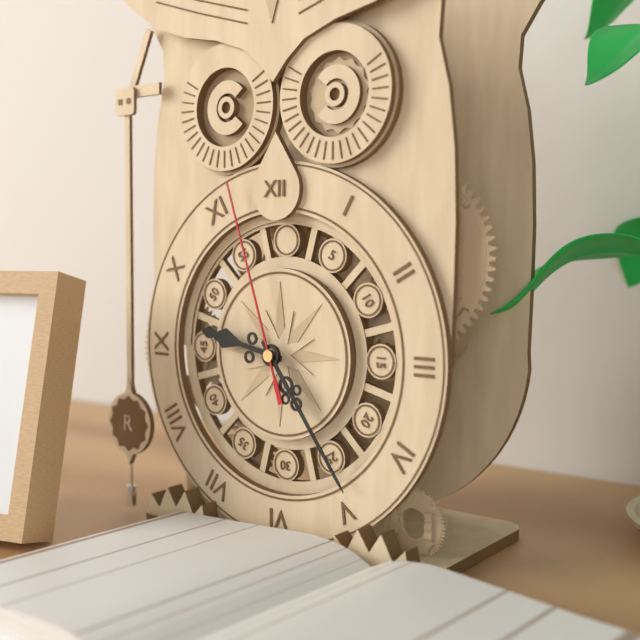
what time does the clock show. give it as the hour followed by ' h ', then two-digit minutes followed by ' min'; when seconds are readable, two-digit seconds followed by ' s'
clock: 9 h 24 min 57 s
